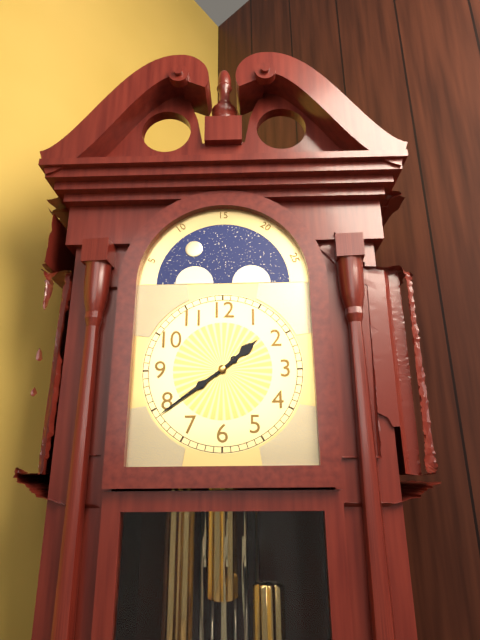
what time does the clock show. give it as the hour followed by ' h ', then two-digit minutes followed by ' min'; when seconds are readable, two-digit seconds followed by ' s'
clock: 1 h 39 min
